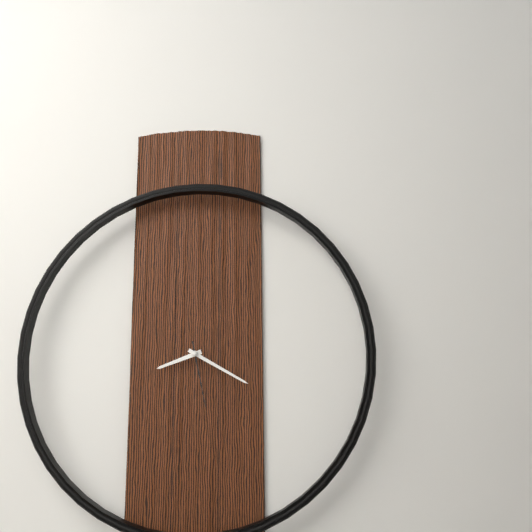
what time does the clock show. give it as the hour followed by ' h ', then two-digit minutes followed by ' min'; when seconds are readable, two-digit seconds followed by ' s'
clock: 8 h 20 min 28 s
